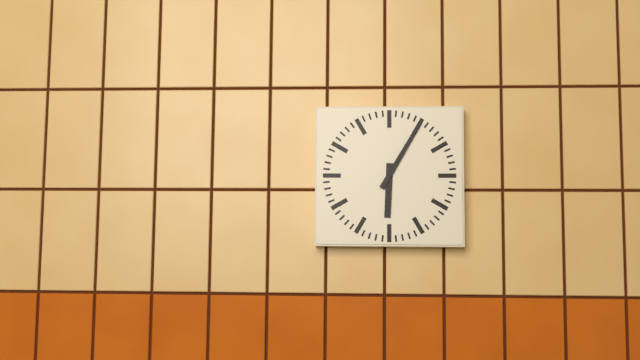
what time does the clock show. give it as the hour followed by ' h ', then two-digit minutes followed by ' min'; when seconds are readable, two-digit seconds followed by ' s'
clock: 6 h 05 min
